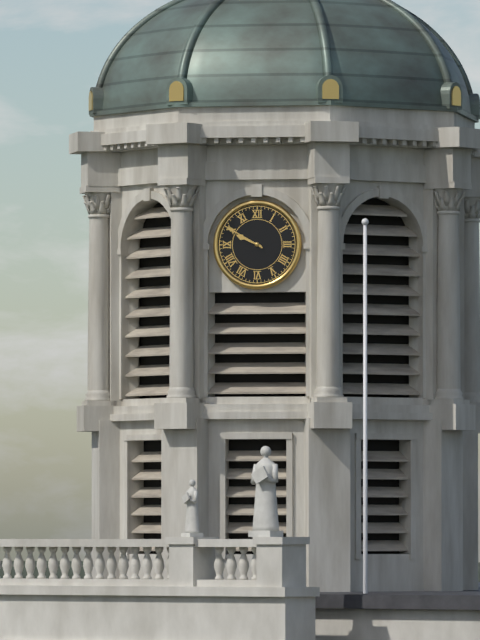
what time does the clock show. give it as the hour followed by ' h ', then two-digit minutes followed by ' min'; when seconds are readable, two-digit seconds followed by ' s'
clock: 9 h 50 min
